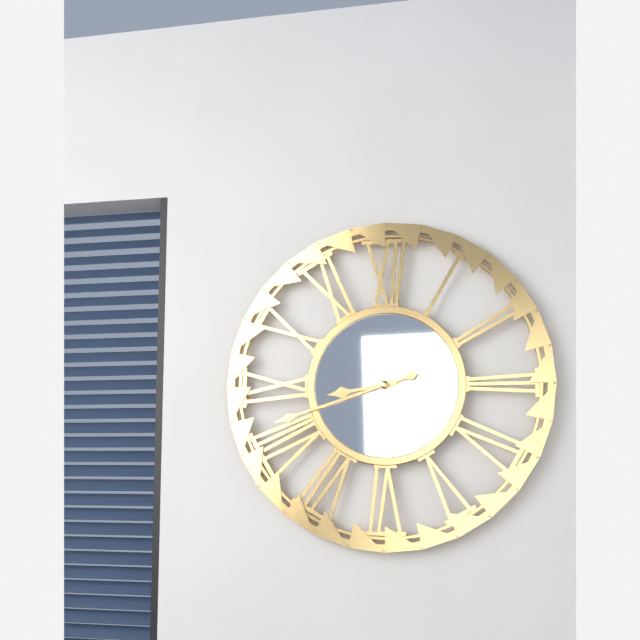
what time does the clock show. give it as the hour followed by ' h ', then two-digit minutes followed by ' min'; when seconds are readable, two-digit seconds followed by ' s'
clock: 8 h 42 min
